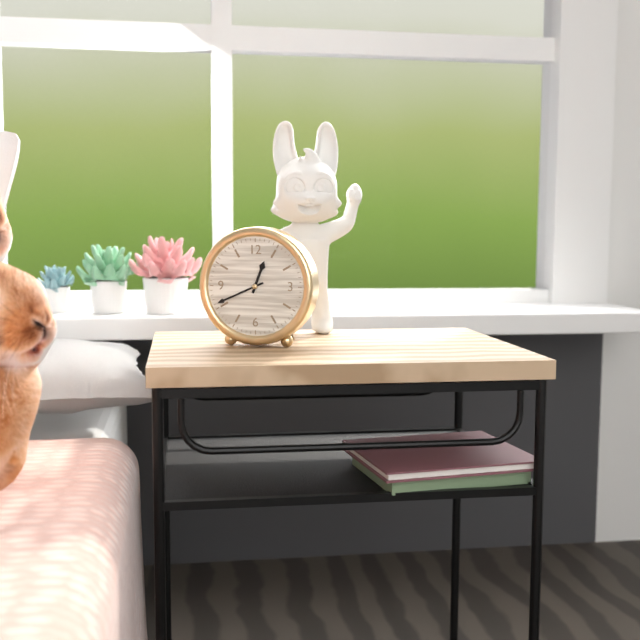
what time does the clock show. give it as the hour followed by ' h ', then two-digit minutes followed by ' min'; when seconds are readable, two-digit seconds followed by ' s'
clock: 12 h 41 min
